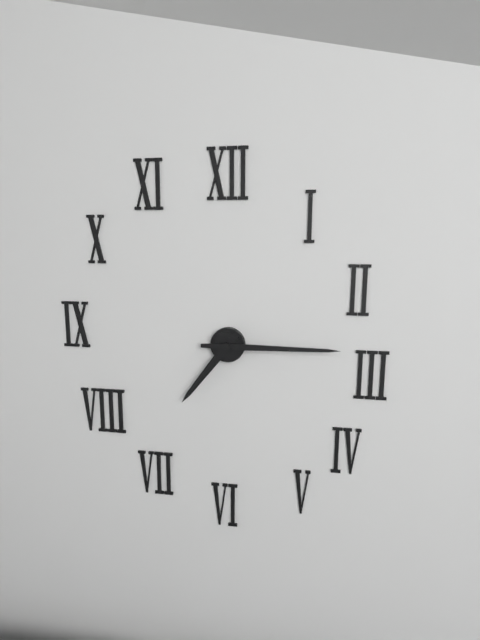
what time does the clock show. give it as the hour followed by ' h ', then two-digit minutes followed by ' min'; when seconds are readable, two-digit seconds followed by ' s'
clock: 7 h 15 min
